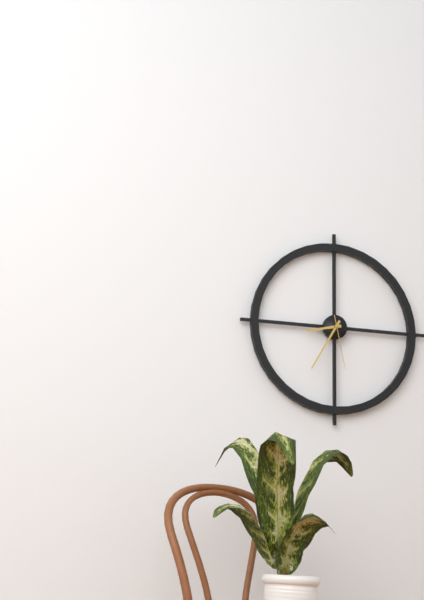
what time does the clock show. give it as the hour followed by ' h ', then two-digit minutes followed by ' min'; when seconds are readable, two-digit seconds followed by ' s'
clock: 8 h 35 min 28 s
